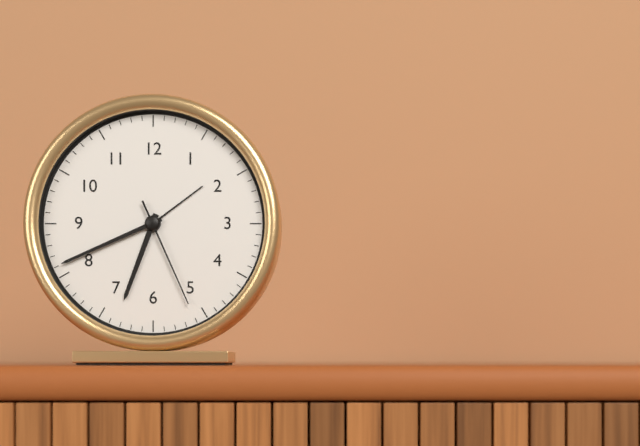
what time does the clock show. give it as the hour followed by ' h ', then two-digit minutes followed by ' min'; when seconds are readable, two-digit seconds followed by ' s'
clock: 6 h 41 min 26 s
